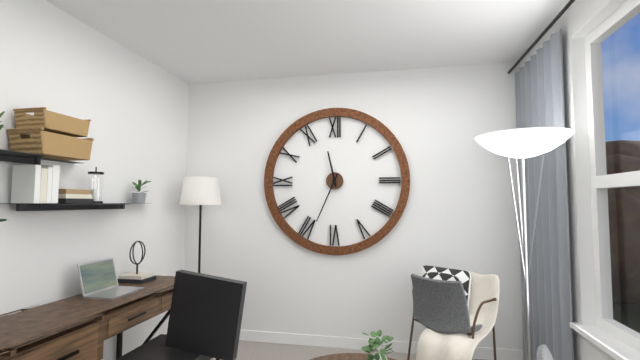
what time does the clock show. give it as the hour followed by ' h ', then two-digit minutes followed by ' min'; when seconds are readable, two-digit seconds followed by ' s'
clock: 11 h 34 min
